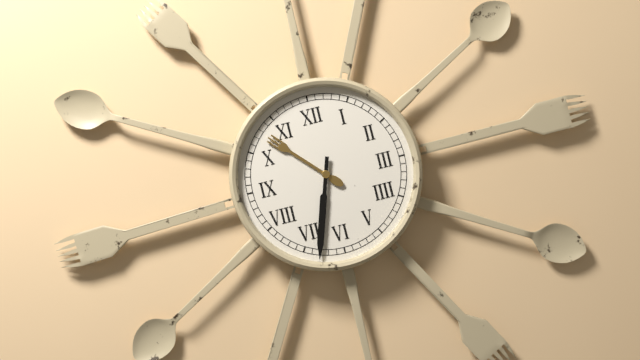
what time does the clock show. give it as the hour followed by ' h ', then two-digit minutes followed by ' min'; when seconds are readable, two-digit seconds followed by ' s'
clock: 10 h 33 min
